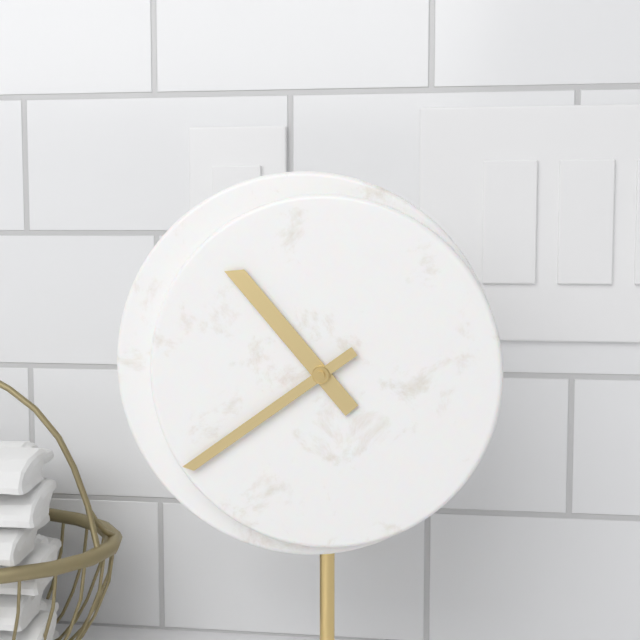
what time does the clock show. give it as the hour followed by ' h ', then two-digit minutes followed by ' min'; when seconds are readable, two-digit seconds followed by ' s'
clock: 10 h 39 min
